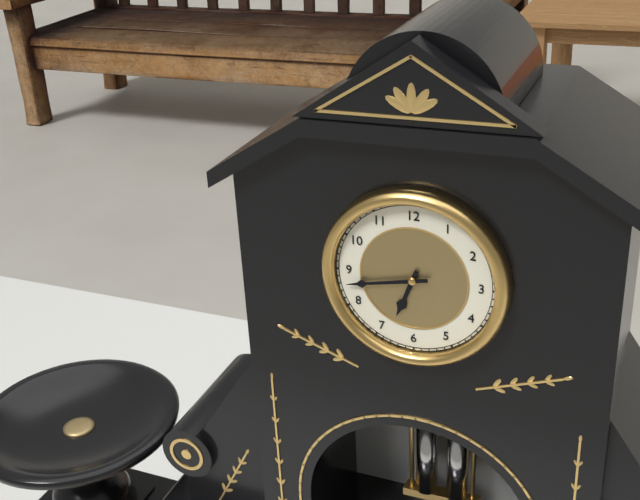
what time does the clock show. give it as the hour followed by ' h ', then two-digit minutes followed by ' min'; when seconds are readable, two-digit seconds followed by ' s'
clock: 6 h 43 min
